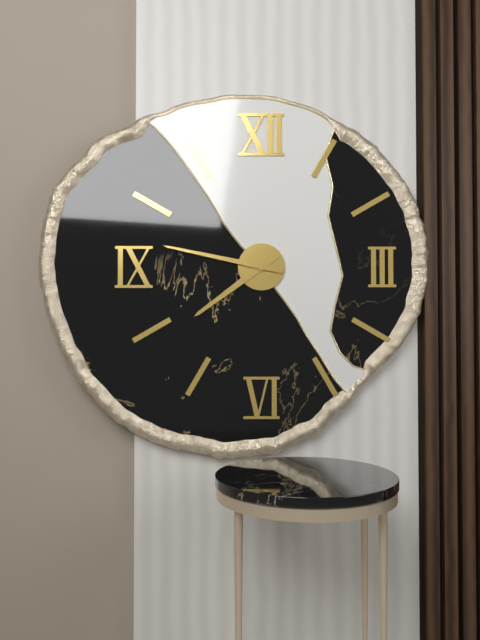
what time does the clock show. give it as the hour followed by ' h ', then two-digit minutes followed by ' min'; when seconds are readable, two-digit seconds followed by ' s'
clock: 7 h 47 min
